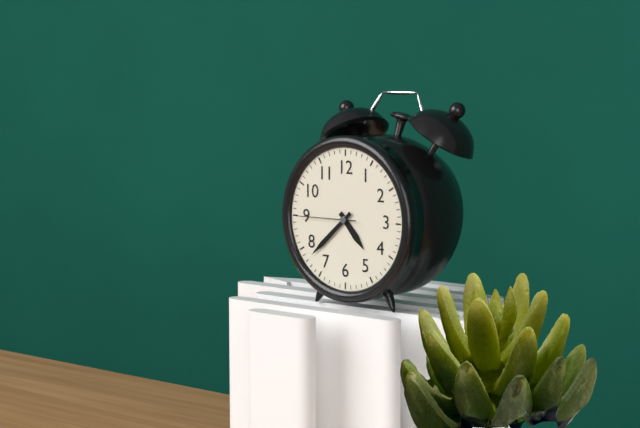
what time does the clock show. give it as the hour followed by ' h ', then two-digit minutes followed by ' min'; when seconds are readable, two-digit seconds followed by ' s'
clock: 4 h 38 min 45 s
